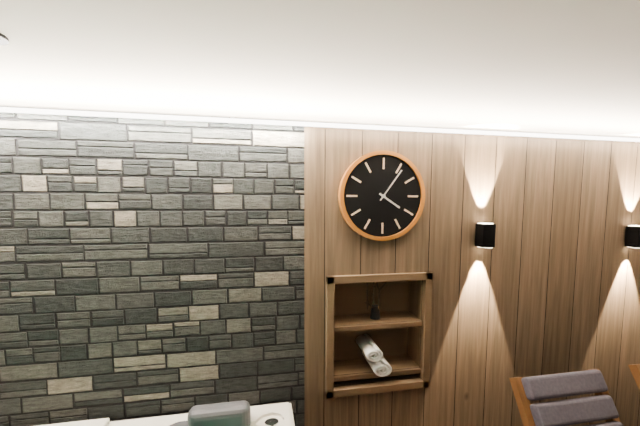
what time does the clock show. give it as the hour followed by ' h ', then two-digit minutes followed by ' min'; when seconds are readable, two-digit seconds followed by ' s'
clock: 4 h 06 min
